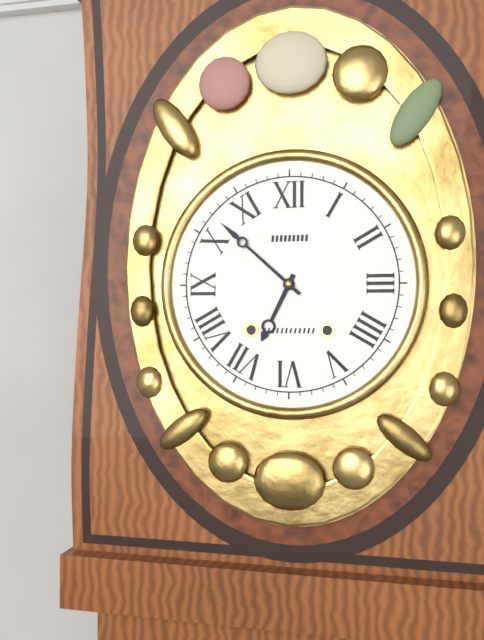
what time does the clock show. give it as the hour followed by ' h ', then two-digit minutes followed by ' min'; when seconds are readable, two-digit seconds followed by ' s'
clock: 6 h 52 min
